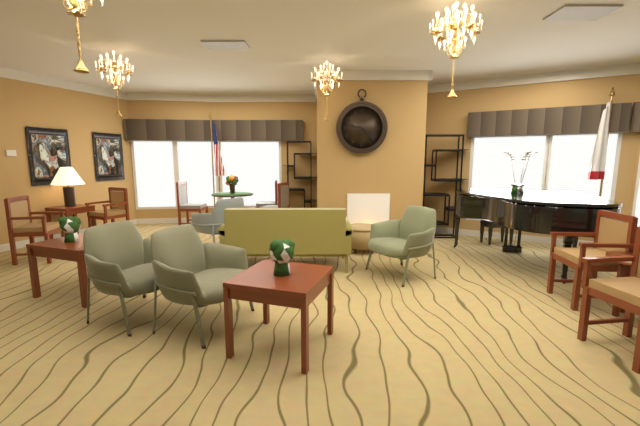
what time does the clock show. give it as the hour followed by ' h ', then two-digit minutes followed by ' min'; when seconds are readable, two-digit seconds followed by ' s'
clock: 9 h 22 min
